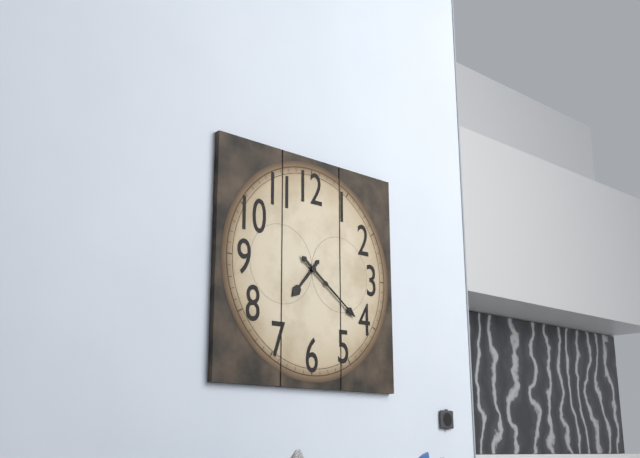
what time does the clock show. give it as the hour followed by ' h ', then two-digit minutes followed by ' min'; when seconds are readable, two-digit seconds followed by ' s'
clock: 7 h 21 min
